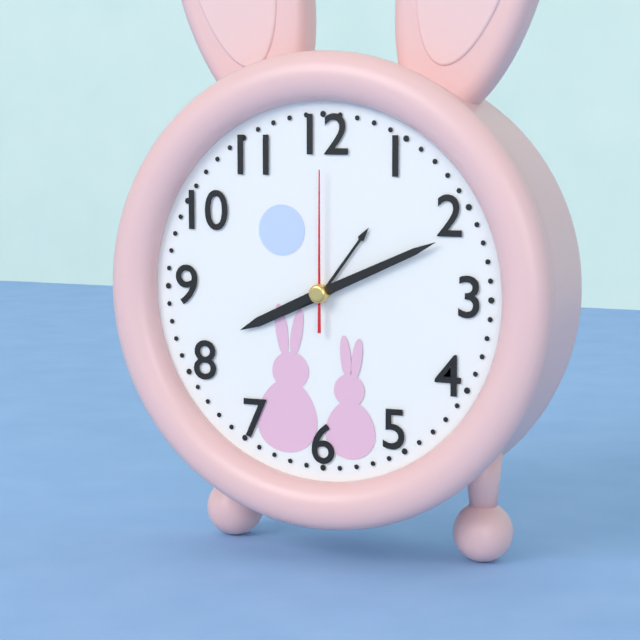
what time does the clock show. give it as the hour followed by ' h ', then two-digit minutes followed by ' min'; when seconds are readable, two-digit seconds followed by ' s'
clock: 8 h 11 min 00 s
